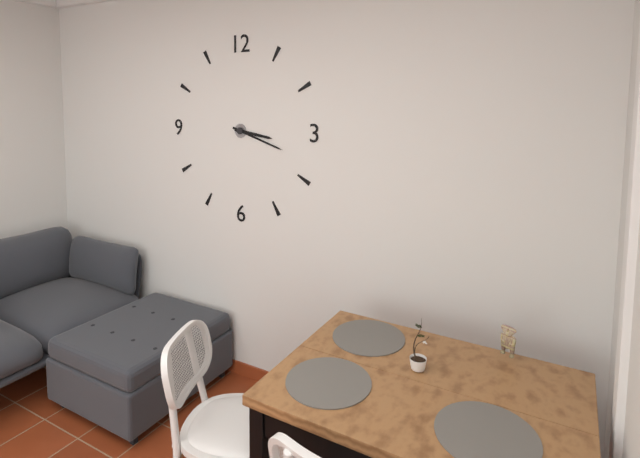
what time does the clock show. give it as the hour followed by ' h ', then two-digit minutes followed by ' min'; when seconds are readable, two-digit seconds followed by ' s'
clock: 3 h 18 min
